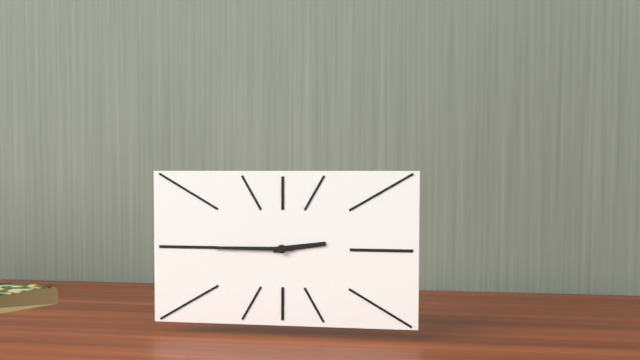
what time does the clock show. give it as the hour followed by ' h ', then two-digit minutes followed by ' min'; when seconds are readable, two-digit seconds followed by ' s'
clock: 2 h 45 min
